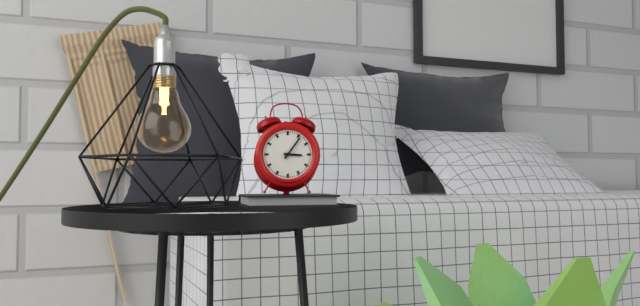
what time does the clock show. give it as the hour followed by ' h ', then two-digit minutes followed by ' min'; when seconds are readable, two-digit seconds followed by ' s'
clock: 3 h 06 min
